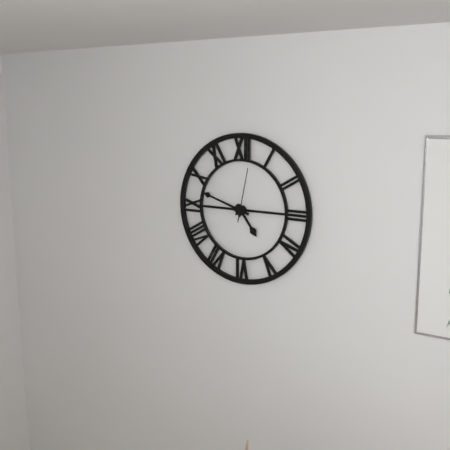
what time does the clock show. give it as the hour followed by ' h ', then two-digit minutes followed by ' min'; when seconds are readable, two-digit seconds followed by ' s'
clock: 4 h 48 min 02 s
